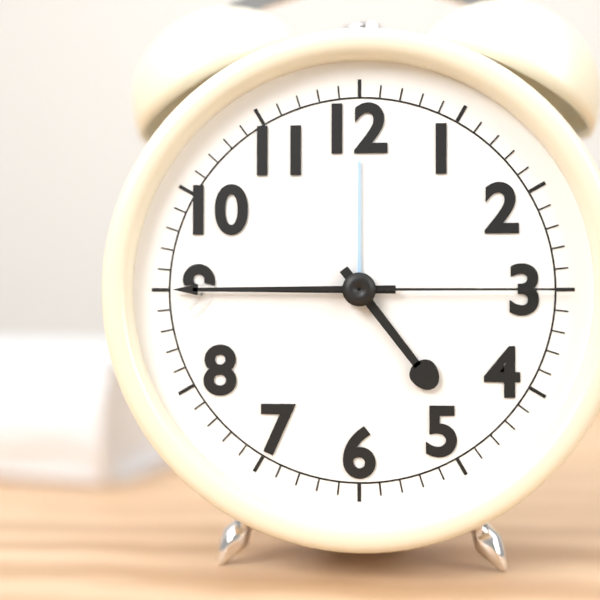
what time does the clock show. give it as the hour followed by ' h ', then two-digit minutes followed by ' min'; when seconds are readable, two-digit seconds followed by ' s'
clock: 4 h 45 min 15 s
